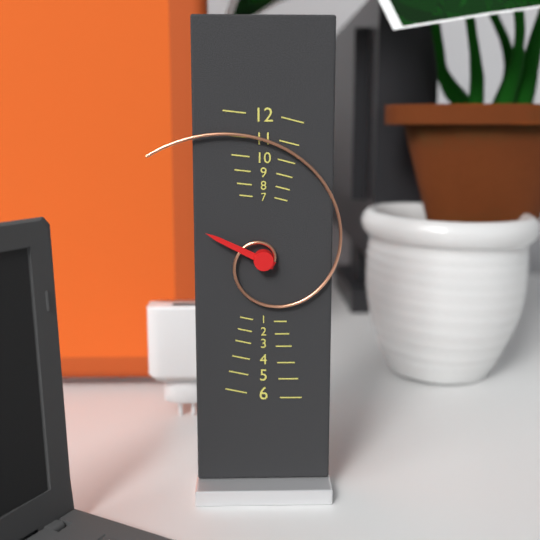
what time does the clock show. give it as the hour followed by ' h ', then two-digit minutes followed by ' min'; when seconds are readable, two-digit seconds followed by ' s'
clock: 9 h 52 min
